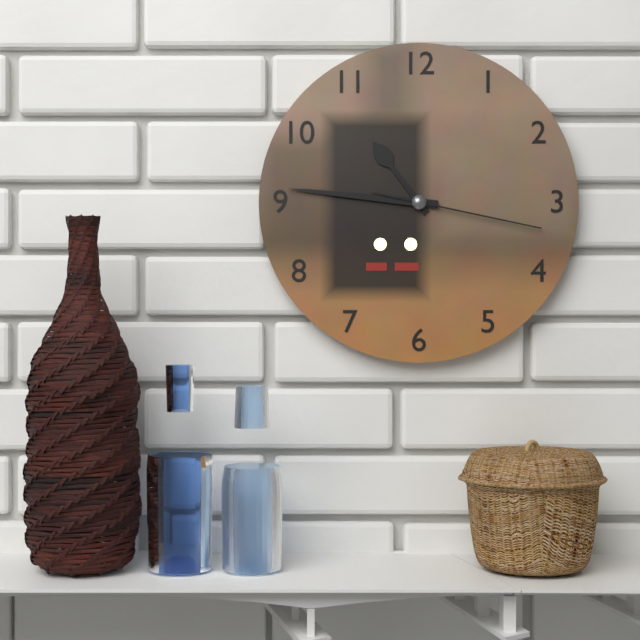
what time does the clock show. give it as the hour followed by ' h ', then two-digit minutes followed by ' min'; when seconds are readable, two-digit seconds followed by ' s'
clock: 10 h 46 min 17 s
